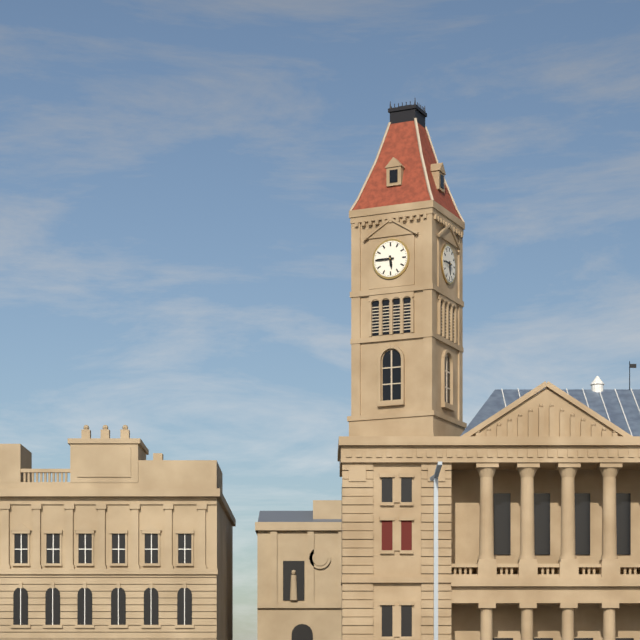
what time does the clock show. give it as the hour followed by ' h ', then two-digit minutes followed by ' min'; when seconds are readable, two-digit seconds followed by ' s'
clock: 5 h 45 min
